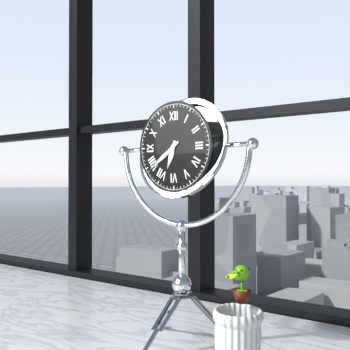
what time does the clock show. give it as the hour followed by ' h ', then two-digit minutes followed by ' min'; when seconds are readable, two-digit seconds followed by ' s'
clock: 6 h 39 min
